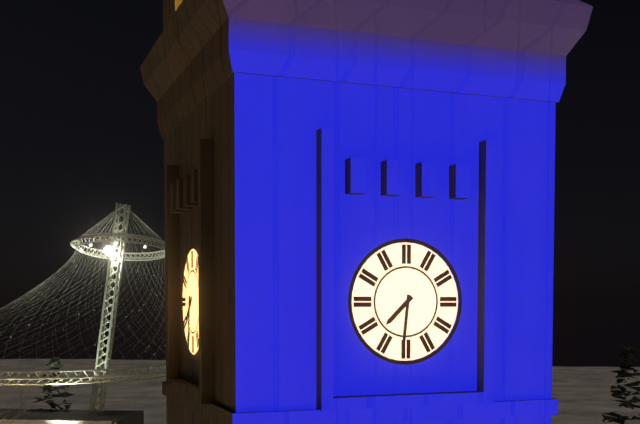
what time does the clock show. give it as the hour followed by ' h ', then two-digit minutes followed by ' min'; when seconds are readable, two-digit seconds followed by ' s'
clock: 7 h 31 min
